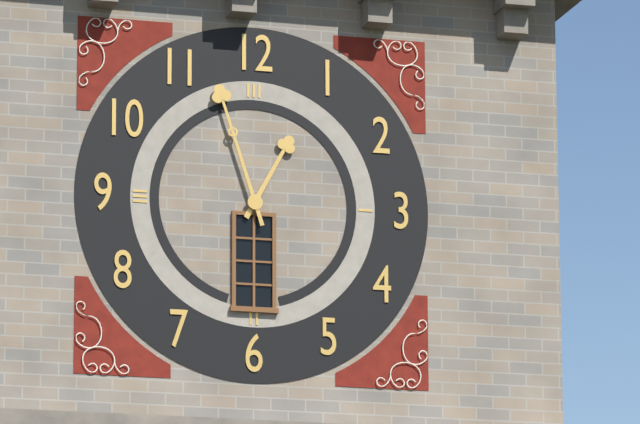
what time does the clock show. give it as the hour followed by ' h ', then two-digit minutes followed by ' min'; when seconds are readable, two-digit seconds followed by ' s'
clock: 12 h 57 min
